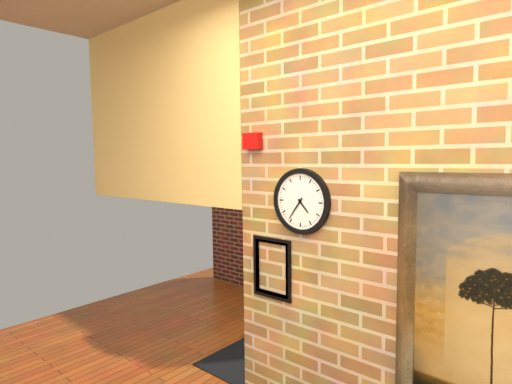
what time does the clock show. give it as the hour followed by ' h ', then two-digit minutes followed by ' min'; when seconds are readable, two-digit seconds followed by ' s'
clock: 4 h 36 min
